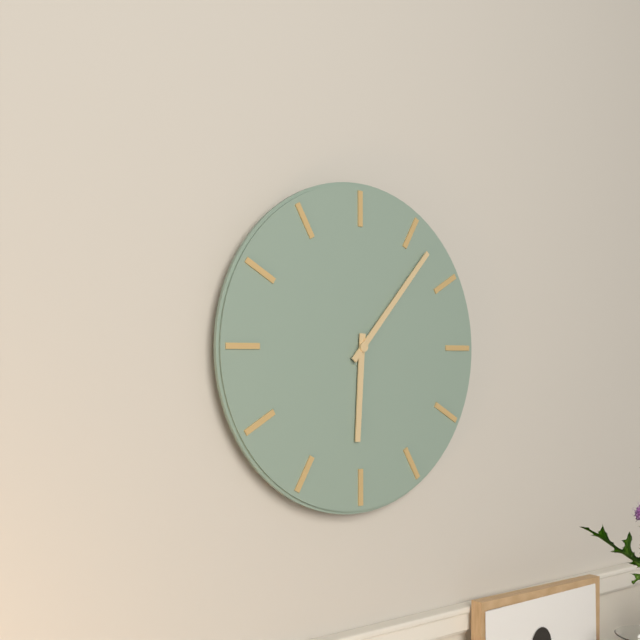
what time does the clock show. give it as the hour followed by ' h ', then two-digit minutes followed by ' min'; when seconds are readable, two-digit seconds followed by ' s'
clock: 6 h 07 min
